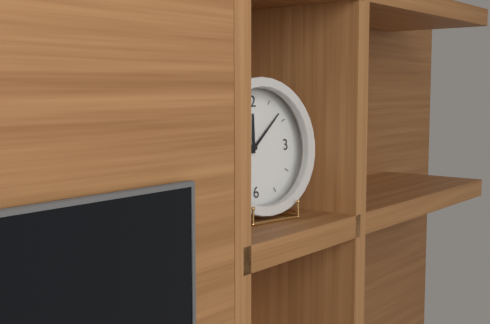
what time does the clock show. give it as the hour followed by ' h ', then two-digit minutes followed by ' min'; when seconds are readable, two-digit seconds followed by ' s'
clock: 12 h 08 min
